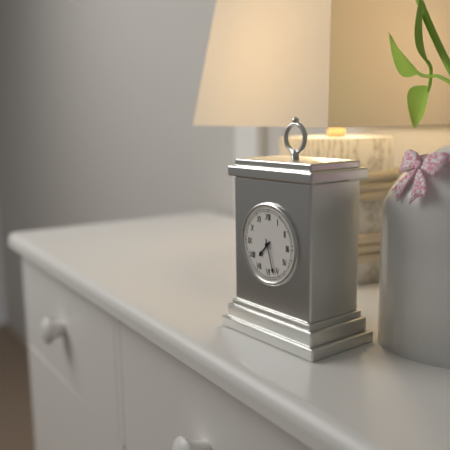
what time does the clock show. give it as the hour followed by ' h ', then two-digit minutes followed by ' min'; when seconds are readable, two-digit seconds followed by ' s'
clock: 7 h 27 min
